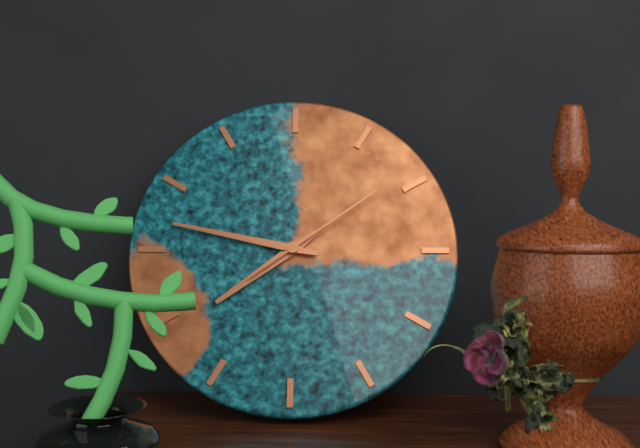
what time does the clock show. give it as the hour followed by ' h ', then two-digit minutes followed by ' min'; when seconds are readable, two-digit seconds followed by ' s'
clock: 7 h 47 min 09 s
